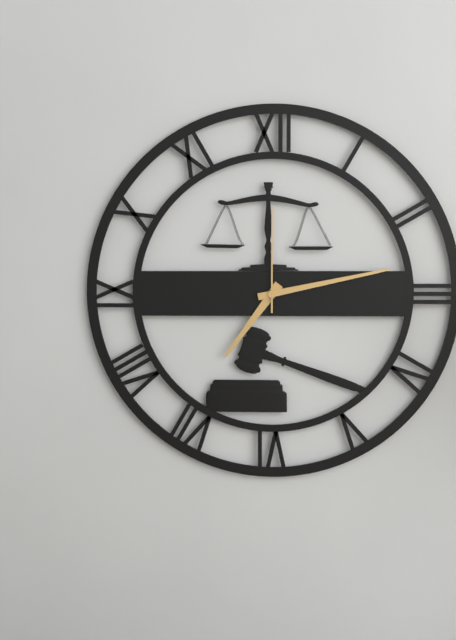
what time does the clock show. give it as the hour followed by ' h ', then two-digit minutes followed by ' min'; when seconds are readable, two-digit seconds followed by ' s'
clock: 7 h 13 min 00 s
